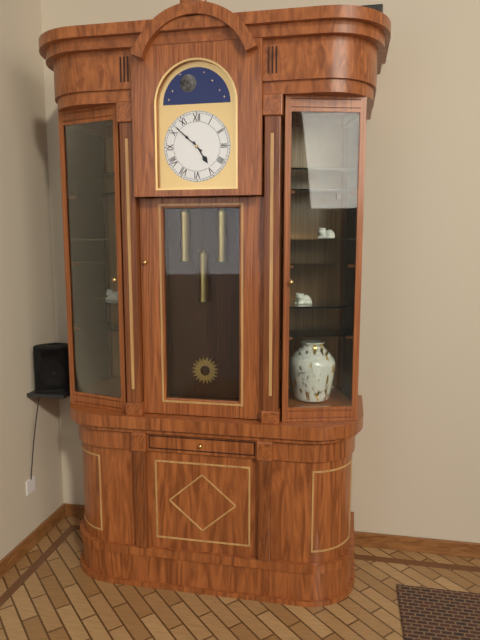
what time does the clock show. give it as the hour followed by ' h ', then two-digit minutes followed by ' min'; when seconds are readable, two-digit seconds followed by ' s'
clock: 4 h 52 min
